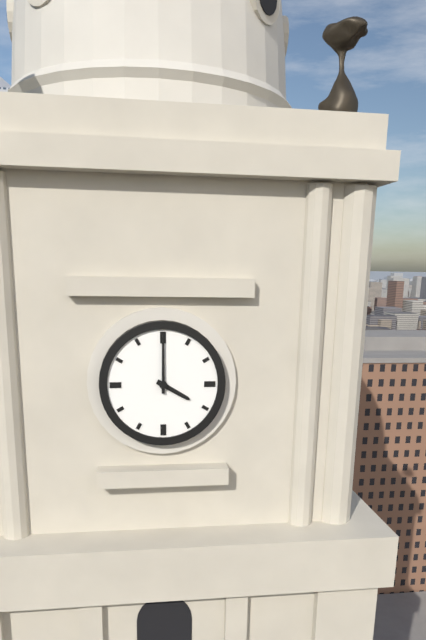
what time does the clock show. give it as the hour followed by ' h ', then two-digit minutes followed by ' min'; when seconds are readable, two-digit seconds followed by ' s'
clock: 4 h 00 min
